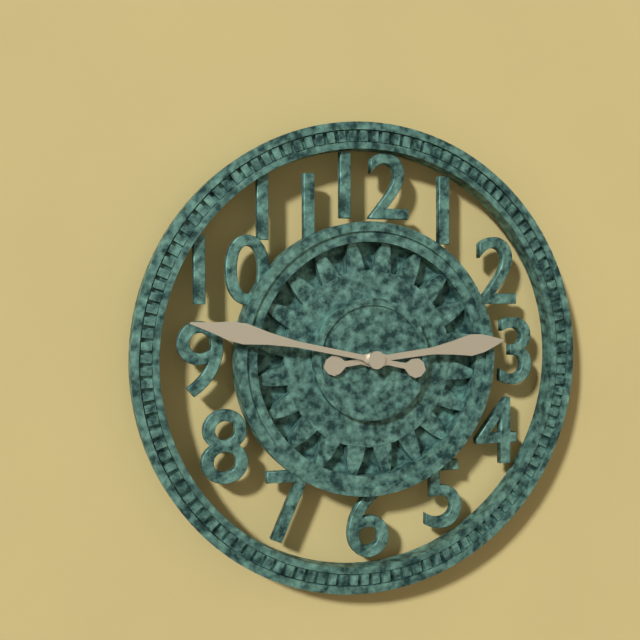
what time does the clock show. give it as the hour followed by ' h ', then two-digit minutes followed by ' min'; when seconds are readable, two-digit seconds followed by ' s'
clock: 2 h 47 min
